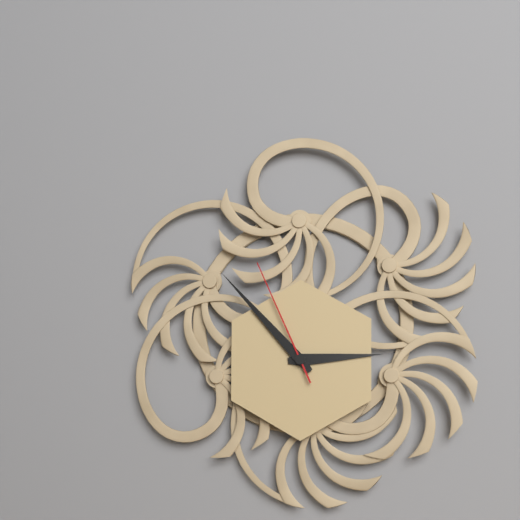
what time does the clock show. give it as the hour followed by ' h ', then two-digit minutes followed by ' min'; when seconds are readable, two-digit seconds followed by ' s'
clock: 2 h 53 min 56 s
